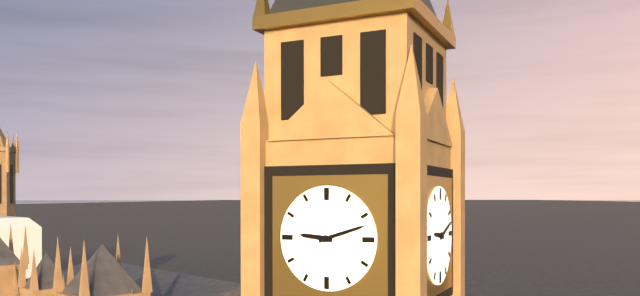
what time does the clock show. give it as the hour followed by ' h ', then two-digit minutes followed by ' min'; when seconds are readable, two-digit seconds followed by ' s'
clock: 9 h 12 min
